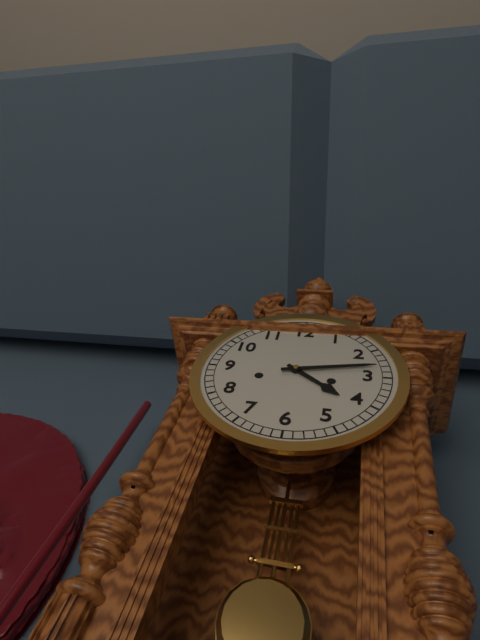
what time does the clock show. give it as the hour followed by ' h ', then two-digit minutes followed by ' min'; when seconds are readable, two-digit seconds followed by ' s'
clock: 4 h 13 min
